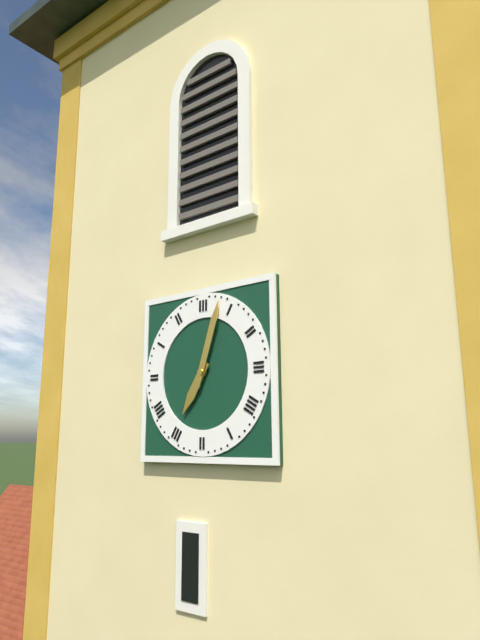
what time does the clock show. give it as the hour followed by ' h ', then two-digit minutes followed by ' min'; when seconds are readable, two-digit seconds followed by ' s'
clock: 7 h 03 min
